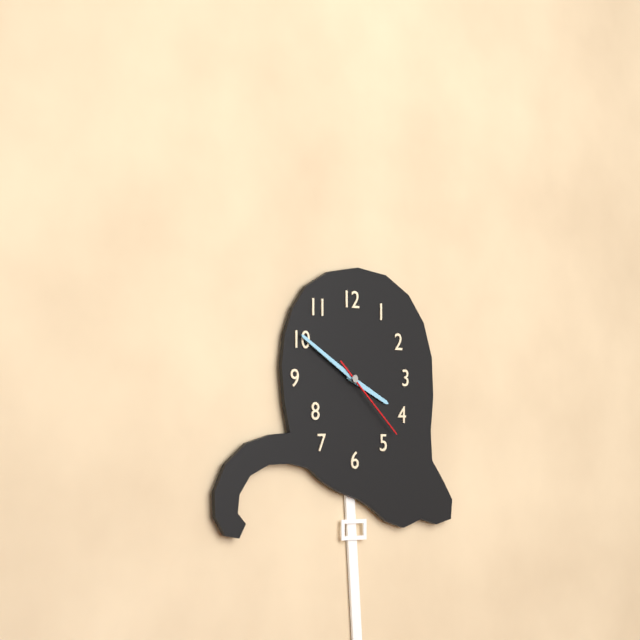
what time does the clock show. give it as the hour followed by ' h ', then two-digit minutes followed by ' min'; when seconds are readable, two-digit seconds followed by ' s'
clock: 3 h 50 min 22 s
